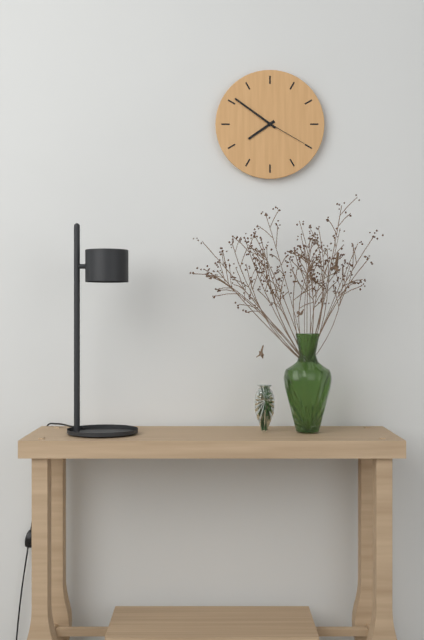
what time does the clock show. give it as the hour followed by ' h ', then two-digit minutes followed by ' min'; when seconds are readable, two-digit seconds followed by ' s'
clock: 7 h 51 min
